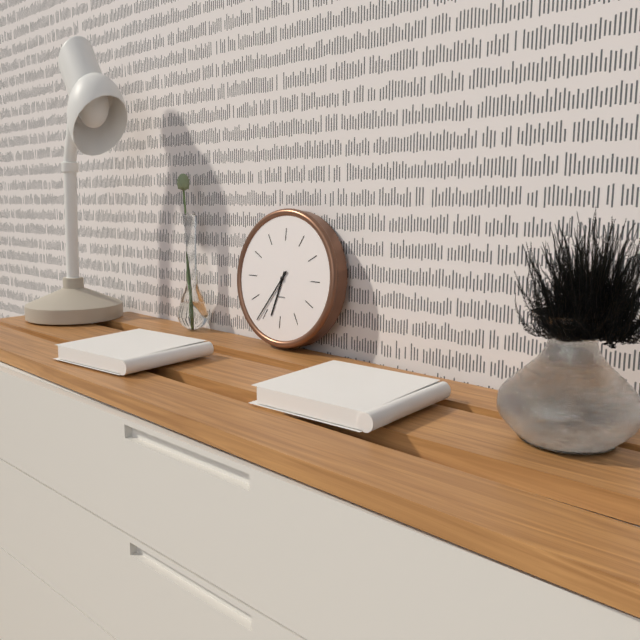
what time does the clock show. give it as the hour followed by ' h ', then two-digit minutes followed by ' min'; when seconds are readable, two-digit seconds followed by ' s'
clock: 6 h 36 min
